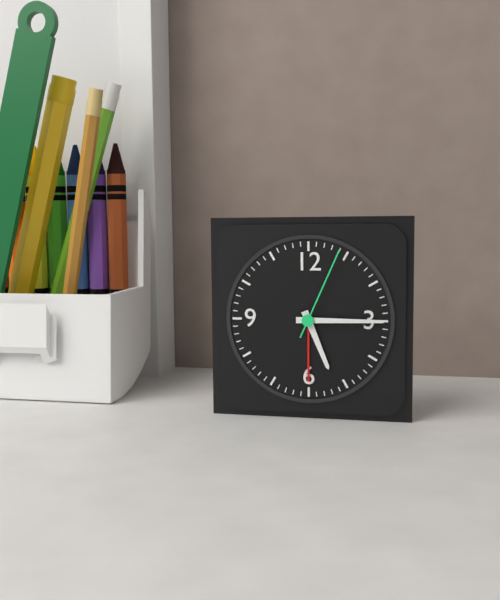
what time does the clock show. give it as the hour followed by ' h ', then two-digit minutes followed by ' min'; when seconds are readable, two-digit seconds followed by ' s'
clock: 5 h 15 min 04 s
